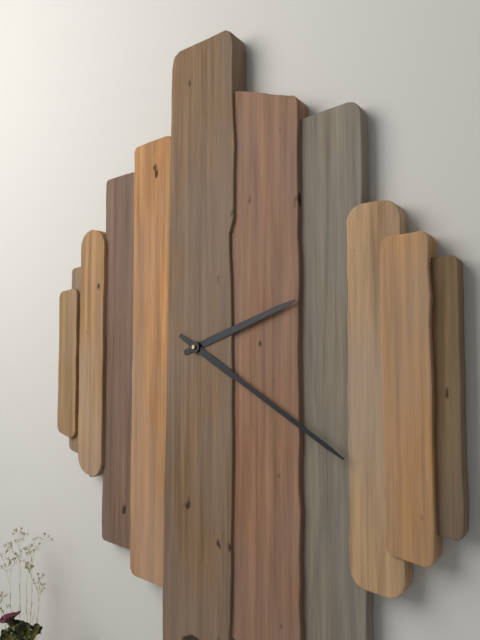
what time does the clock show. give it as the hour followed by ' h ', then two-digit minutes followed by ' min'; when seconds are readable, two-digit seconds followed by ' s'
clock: 2 h 20 min
